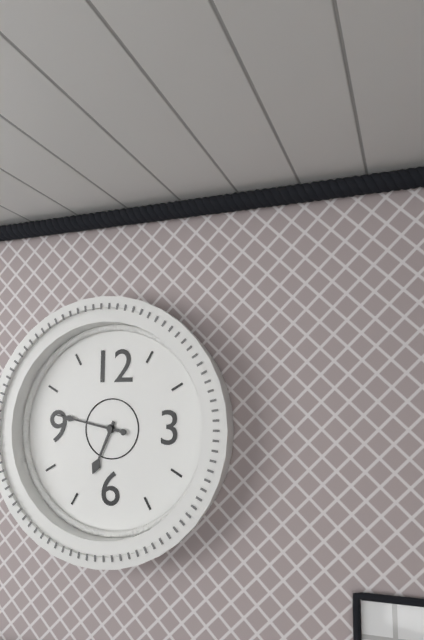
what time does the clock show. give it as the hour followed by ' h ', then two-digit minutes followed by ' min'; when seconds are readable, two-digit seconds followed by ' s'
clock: 6 h 47 min
